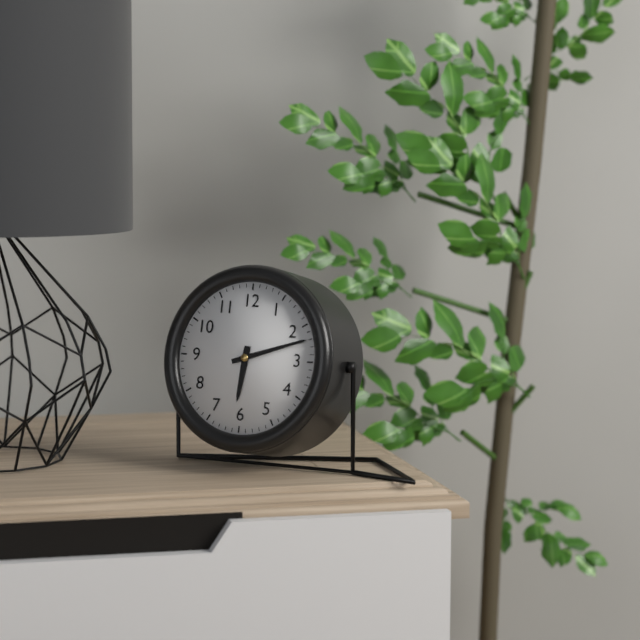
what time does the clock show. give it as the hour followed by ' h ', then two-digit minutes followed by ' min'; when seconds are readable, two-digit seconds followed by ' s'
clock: 6 h 12 min
